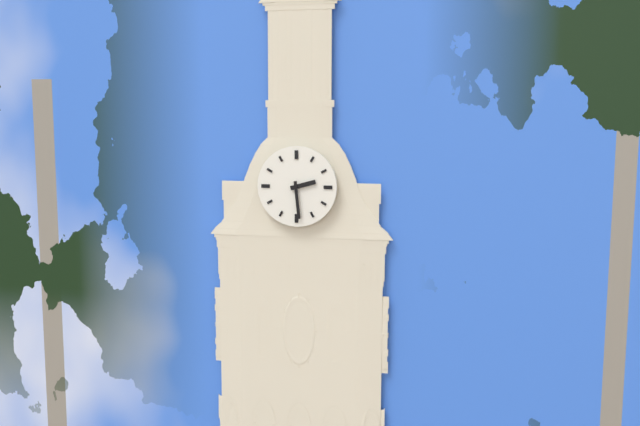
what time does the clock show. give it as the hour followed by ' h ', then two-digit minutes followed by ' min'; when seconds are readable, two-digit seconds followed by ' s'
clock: 2 h 29 min
